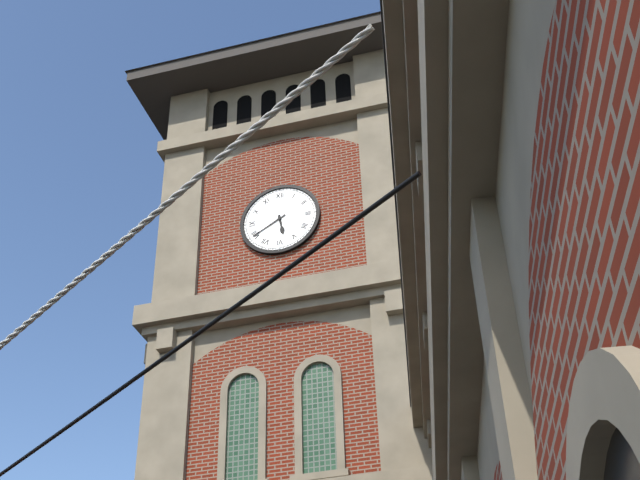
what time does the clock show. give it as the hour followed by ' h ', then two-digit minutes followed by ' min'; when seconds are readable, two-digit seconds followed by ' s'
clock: 5 h 40 min
